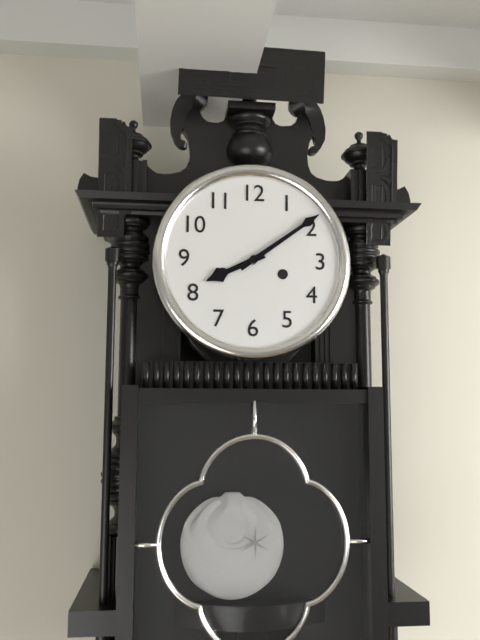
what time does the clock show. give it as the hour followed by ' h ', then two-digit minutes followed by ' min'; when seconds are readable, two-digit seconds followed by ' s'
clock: 8 h 09 min
